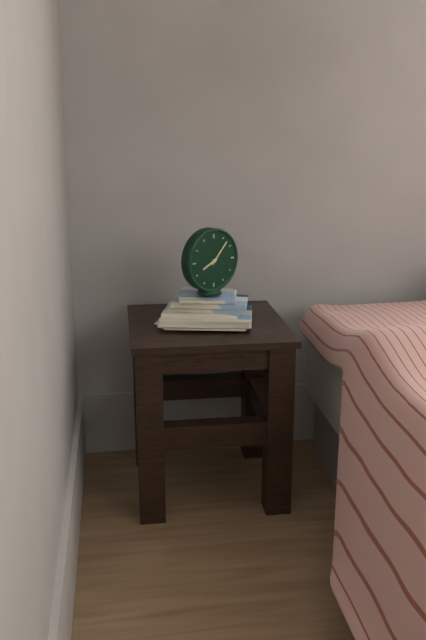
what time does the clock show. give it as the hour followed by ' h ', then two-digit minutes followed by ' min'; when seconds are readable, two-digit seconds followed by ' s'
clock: 8 h 07 min
